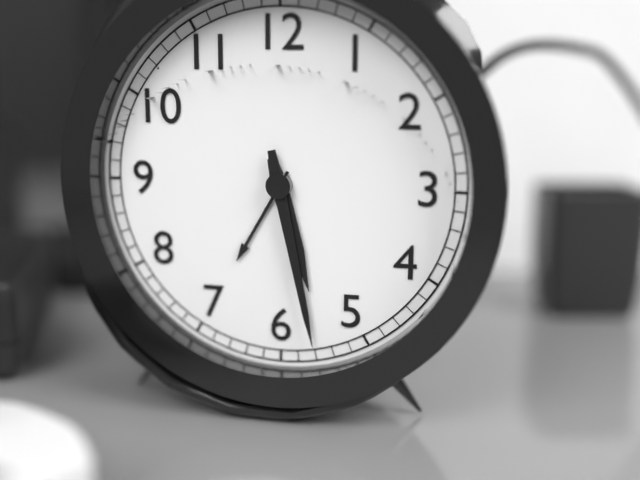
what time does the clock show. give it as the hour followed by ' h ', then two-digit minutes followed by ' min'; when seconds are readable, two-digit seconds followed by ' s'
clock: 5 h 28 min
